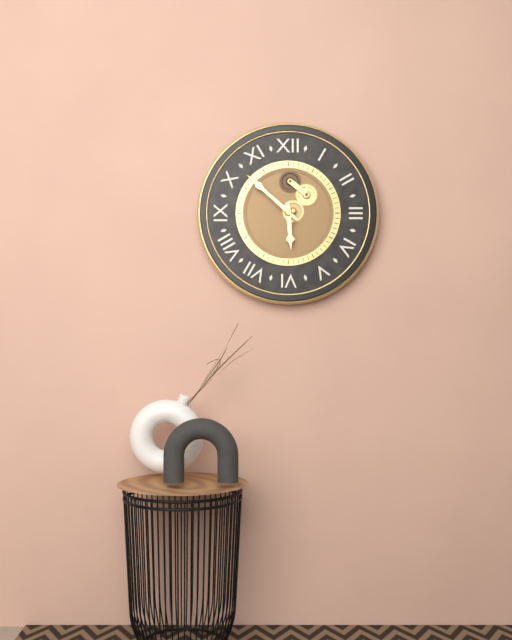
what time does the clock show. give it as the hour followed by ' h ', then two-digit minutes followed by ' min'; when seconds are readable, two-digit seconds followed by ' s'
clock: 5 h 52 min
